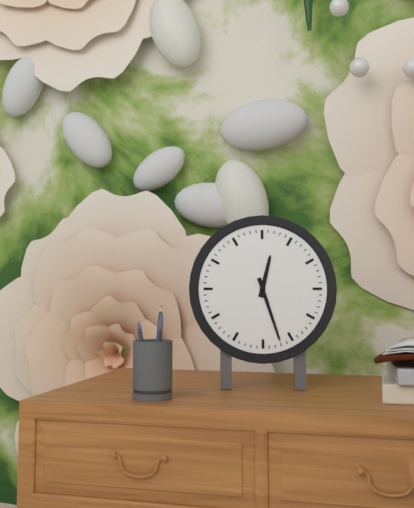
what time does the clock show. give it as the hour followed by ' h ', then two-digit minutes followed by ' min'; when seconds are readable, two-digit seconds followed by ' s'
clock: 12 h 27 min
